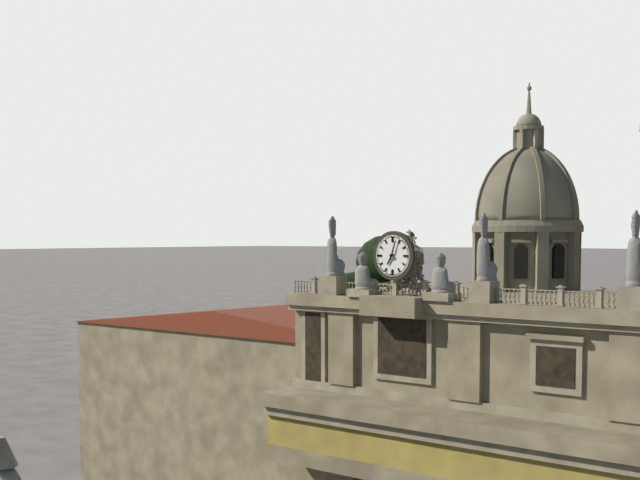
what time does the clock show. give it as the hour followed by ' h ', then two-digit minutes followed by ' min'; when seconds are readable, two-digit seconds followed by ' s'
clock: 7 h 03 min
